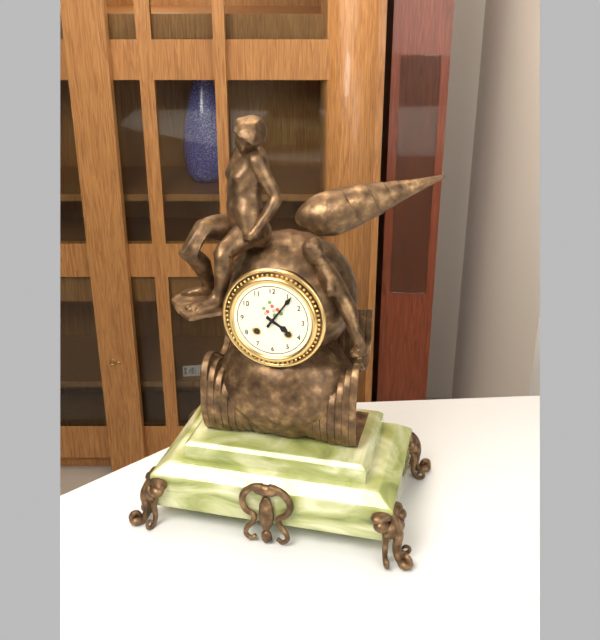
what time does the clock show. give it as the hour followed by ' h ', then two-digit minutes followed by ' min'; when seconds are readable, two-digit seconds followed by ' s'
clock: 4 h 06 min
